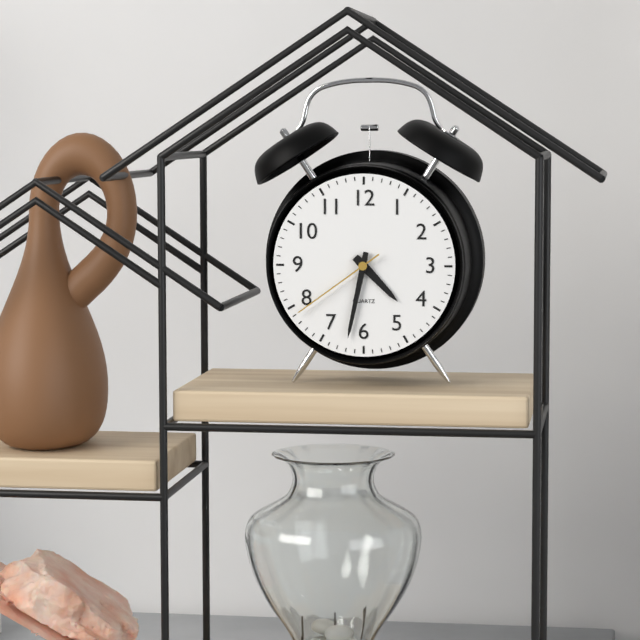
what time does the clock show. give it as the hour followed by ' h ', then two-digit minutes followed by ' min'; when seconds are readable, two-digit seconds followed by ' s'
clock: 4 h 32 min 39 s
